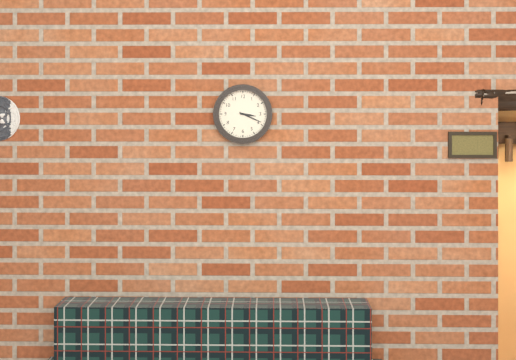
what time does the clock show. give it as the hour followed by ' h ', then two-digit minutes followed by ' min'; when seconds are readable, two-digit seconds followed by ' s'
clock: 3 h 19 min
